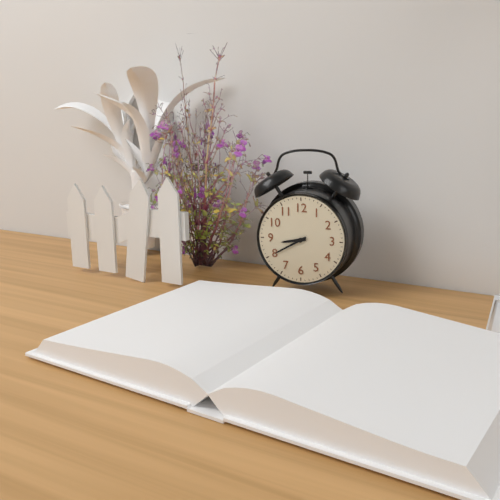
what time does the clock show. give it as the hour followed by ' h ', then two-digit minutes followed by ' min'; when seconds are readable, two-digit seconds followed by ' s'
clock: 8 h 40 min
